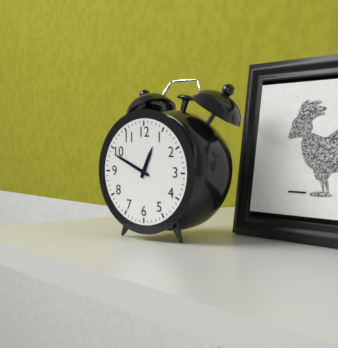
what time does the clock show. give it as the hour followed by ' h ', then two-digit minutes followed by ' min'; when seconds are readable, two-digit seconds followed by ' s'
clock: 12 h 49 min
